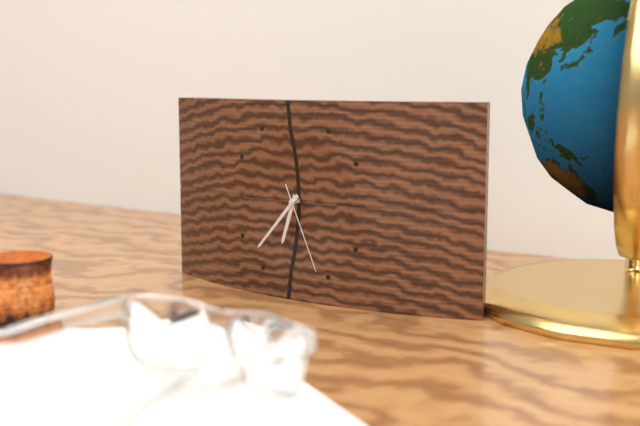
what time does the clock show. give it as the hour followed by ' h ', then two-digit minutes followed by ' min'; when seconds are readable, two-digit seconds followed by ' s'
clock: 6 h 37 min 26 s
